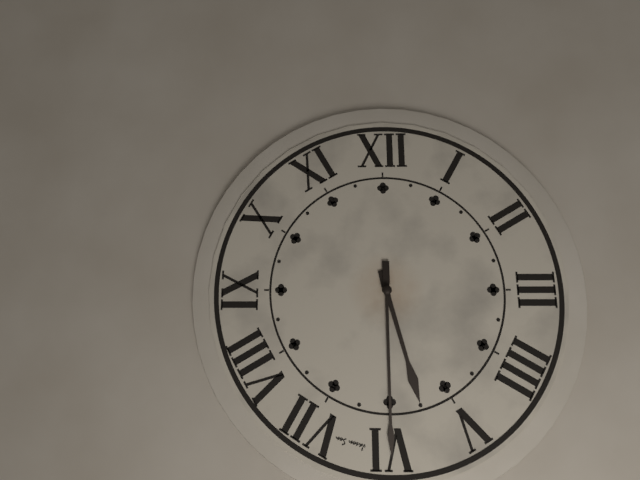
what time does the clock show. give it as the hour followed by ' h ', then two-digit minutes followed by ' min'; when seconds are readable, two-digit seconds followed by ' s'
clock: 5 h 30 min
